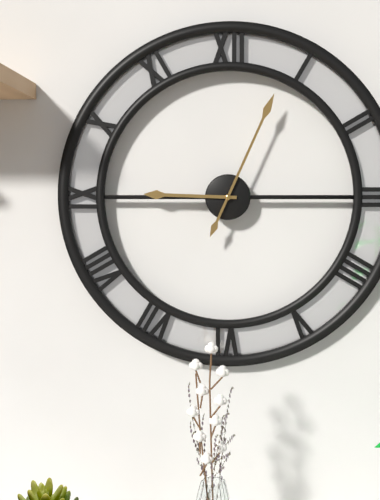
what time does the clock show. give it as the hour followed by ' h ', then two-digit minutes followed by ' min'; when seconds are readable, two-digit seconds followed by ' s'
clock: 9 h 04 min
